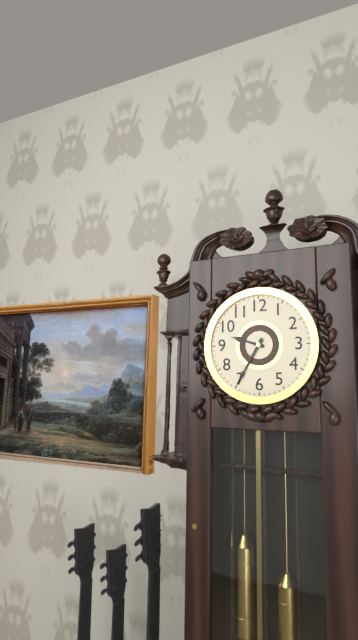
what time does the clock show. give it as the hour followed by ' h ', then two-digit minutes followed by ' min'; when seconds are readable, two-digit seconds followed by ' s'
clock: 9 h 35 min
